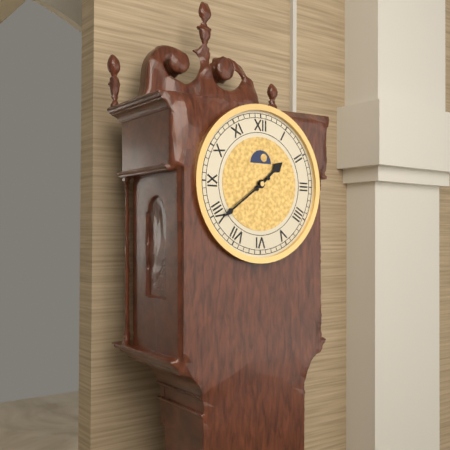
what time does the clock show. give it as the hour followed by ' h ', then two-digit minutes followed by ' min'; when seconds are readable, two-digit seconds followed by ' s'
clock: 1 h 39 min
